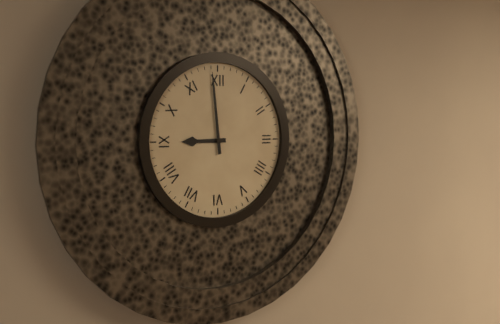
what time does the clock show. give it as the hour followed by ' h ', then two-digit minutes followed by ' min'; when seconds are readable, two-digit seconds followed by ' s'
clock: 8 h 59 min
